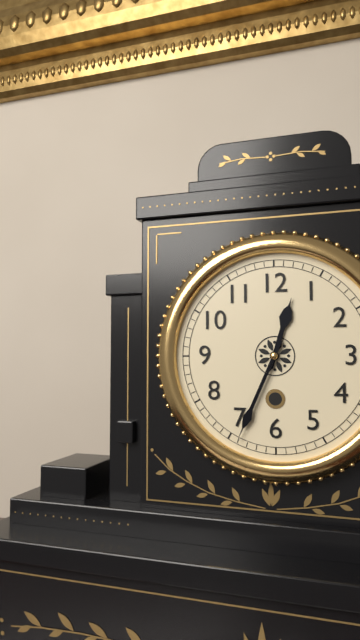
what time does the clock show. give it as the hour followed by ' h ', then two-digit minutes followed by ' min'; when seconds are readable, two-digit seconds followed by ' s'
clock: 12 h 34 min
